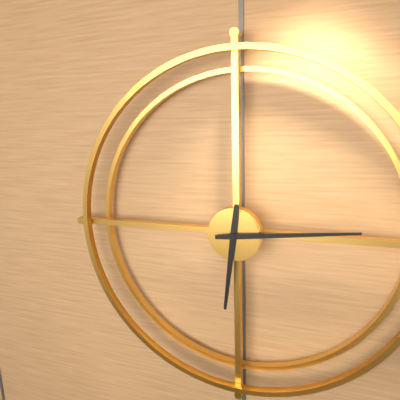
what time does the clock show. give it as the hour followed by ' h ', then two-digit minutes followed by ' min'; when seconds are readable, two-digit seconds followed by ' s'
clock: 6 h 14 min
